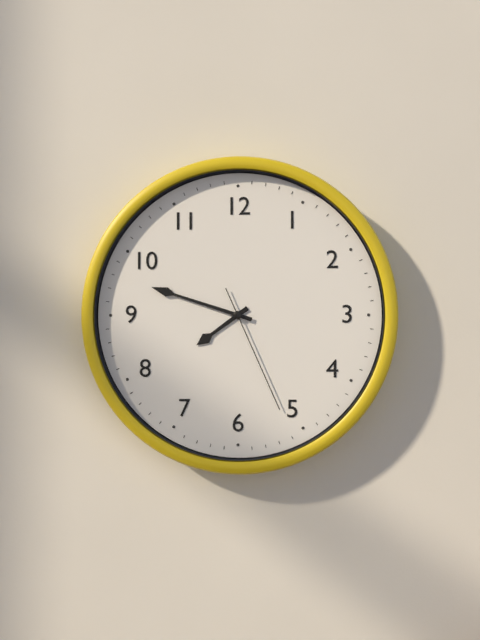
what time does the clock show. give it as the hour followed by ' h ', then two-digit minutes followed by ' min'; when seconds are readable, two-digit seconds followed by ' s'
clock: 7 h 48 min 26 s
